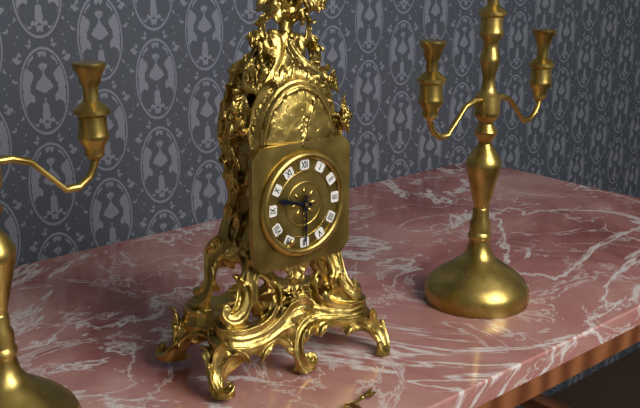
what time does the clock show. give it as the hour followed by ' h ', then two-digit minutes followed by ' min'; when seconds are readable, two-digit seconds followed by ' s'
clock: 9 h 30 min
